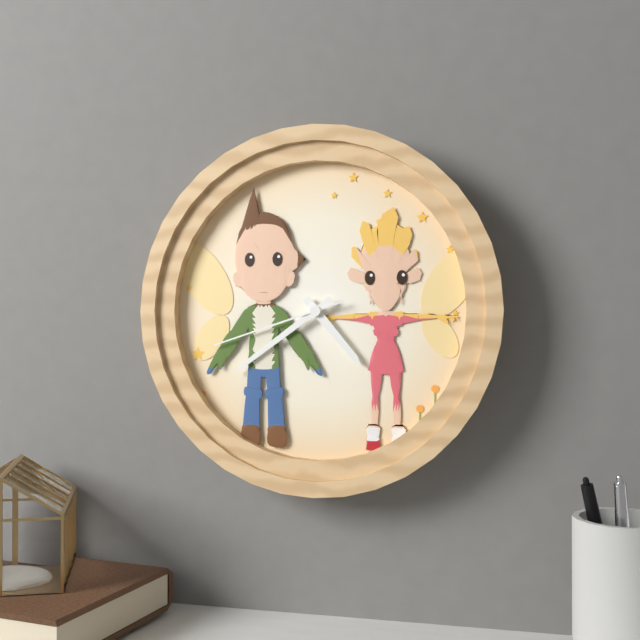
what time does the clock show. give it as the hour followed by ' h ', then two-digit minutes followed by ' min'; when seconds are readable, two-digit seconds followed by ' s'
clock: 4 h 39 min 42 s
